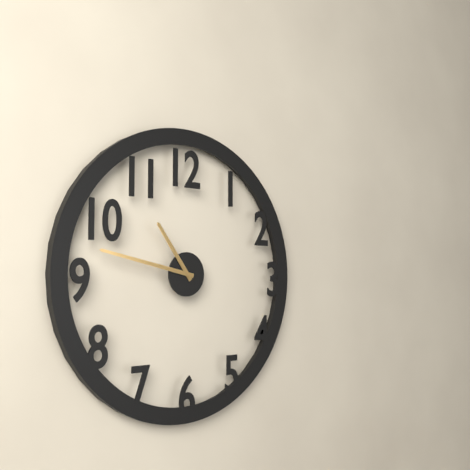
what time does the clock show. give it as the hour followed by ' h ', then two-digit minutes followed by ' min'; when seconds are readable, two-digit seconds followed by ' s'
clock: 10 h 47 min
